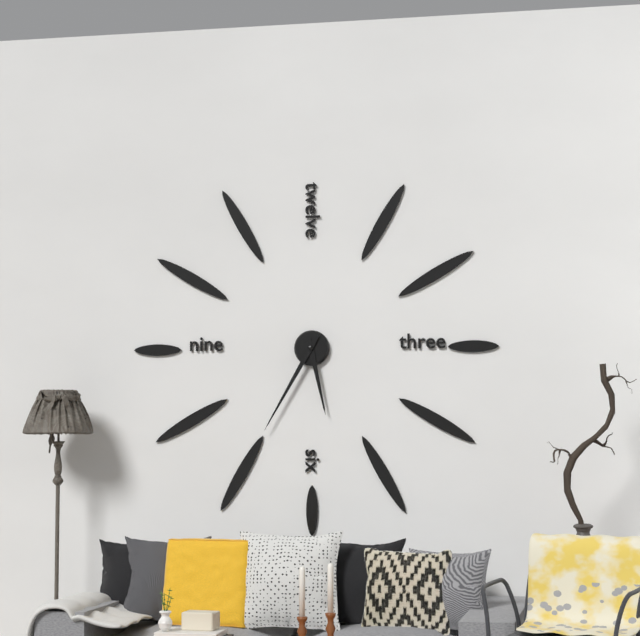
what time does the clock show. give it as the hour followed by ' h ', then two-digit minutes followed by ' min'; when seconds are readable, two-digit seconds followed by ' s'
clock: 5 h 35 min
